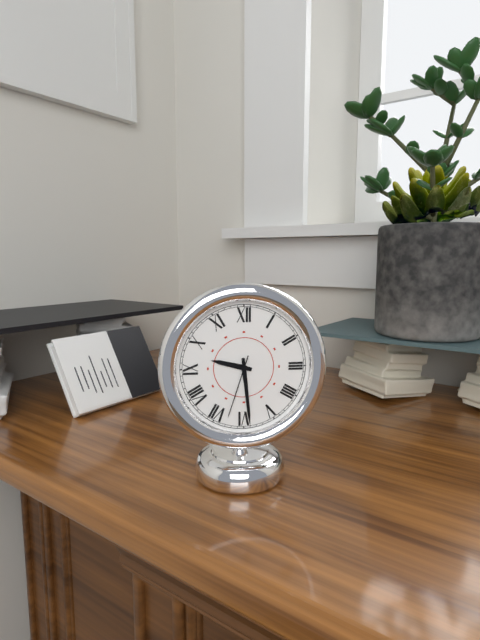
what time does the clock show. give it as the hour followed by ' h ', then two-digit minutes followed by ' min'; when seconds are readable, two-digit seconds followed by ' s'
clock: 9 h 29 min 33 s
